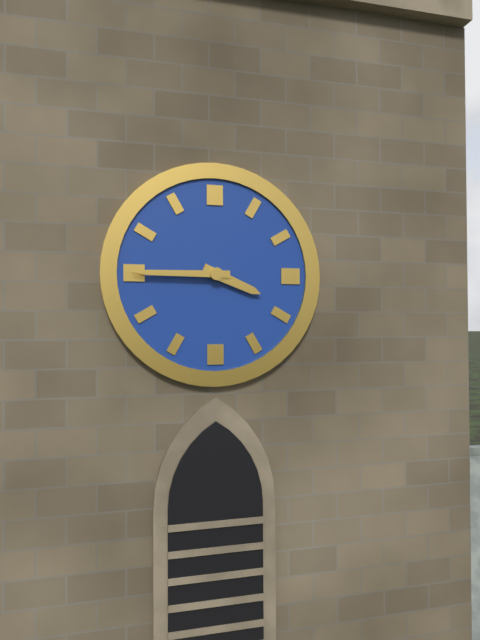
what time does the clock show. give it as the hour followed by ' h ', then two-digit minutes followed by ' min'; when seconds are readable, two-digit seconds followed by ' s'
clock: 3 h 45 min
